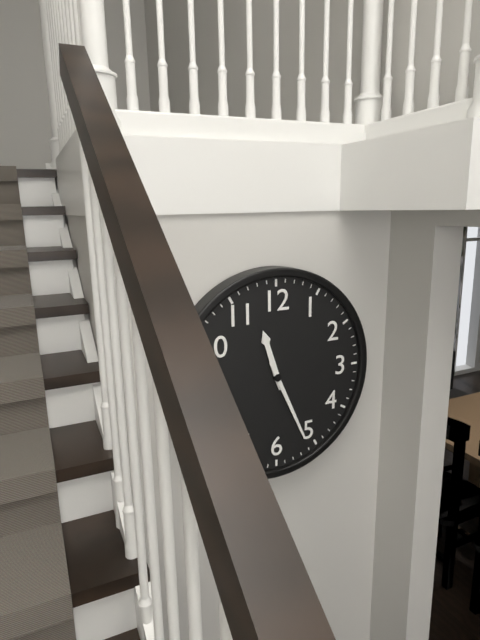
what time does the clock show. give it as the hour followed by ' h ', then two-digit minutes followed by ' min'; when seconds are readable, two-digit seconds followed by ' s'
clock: 11 h 26 min
